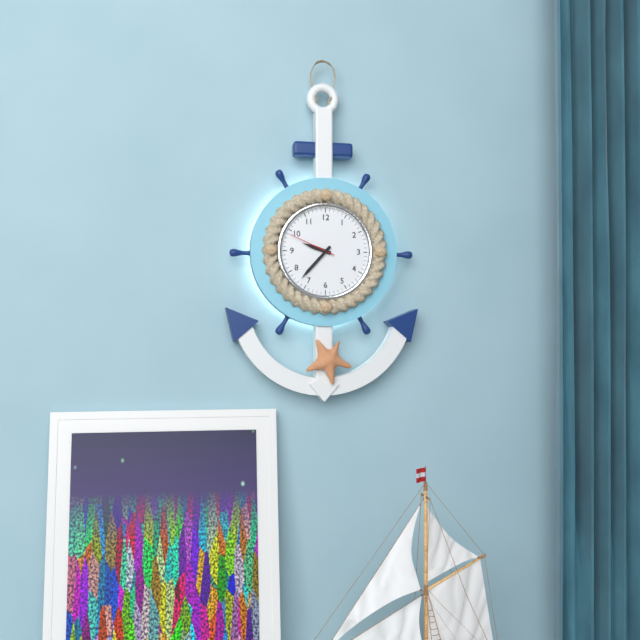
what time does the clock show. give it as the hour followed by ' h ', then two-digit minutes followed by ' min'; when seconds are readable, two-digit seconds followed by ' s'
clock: 9 h 37 min
